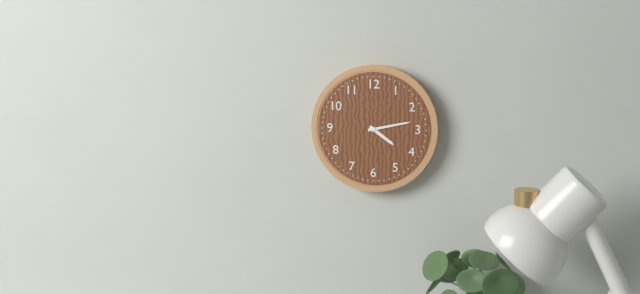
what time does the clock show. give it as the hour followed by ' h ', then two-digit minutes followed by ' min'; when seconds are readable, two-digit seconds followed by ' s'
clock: 4 h 13 min
